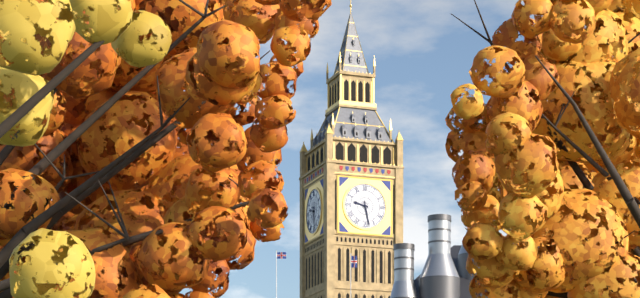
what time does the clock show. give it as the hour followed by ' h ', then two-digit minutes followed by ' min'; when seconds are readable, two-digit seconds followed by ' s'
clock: 9 h 28 min
